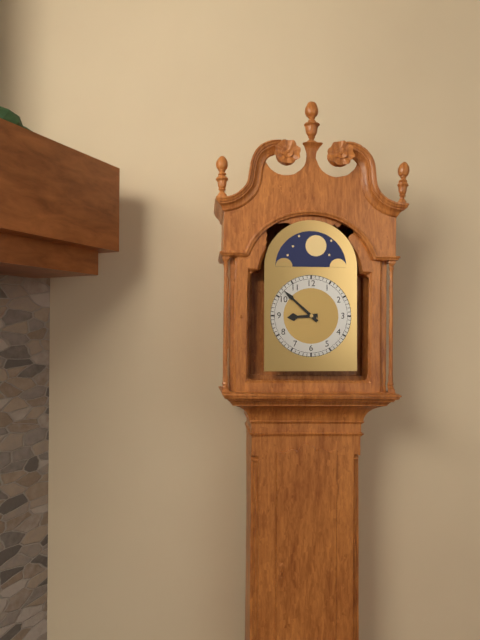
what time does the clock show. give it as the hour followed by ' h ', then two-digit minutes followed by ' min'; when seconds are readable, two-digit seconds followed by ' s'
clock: 8 h 52 min
